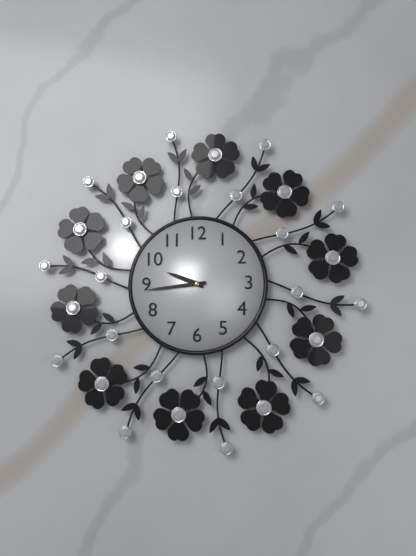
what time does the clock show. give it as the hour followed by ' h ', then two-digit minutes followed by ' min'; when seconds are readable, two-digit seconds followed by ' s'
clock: 9 h 44 min
